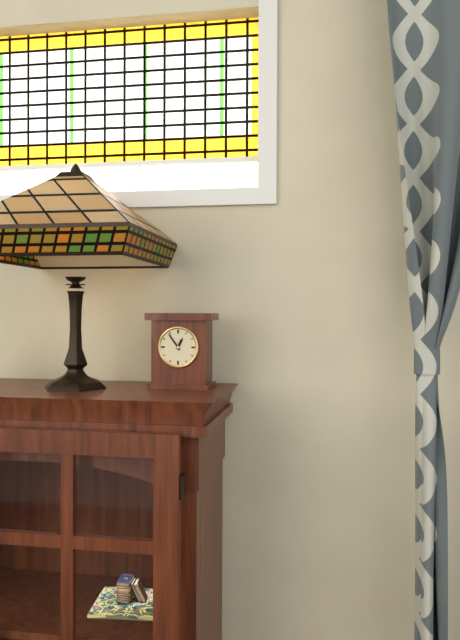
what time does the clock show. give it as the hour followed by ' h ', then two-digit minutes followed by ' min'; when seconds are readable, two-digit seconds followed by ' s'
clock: 12 h 54 min
